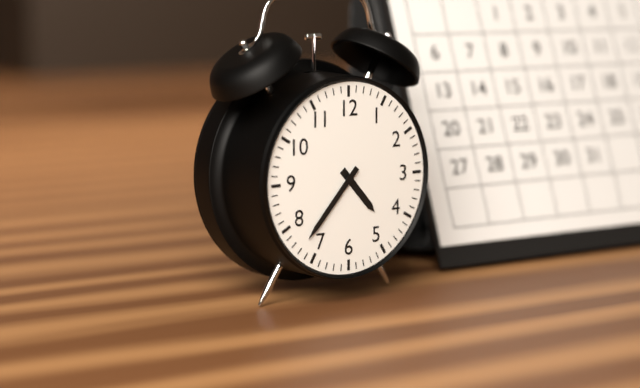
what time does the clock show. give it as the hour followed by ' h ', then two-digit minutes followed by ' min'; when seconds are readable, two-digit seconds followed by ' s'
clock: 4 h 37 min
